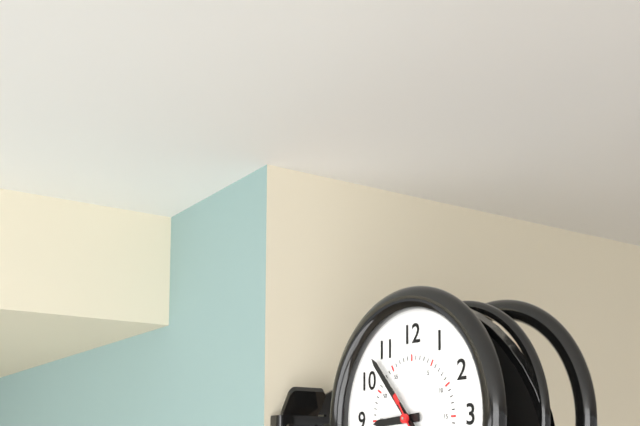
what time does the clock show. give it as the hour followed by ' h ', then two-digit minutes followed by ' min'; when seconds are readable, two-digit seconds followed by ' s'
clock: 8 h 53 min
